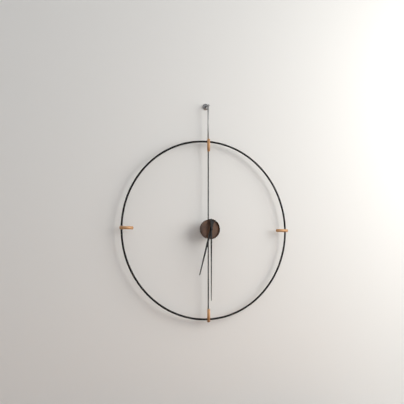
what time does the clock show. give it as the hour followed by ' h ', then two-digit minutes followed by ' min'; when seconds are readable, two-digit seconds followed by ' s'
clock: 6 h 30 min
